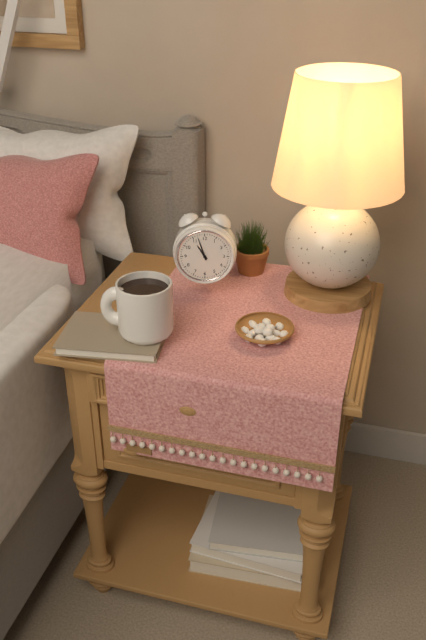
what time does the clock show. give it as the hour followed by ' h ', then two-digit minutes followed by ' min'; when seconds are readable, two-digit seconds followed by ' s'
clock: 10 h 57 min
